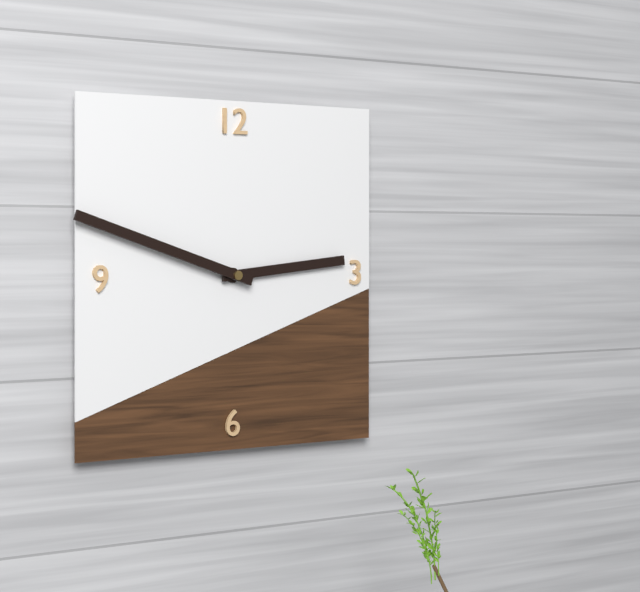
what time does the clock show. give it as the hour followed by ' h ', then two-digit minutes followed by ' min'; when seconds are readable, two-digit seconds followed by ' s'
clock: 2 h 48 min
